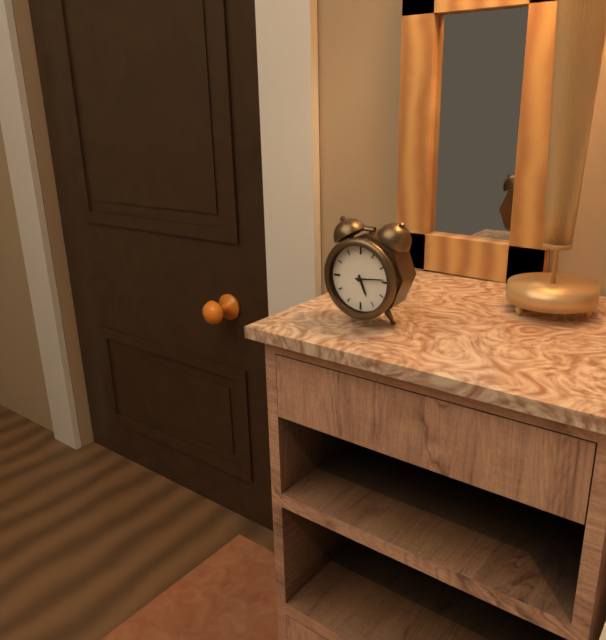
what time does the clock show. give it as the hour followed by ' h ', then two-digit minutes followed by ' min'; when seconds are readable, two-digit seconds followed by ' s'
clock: 5 h 14 min
